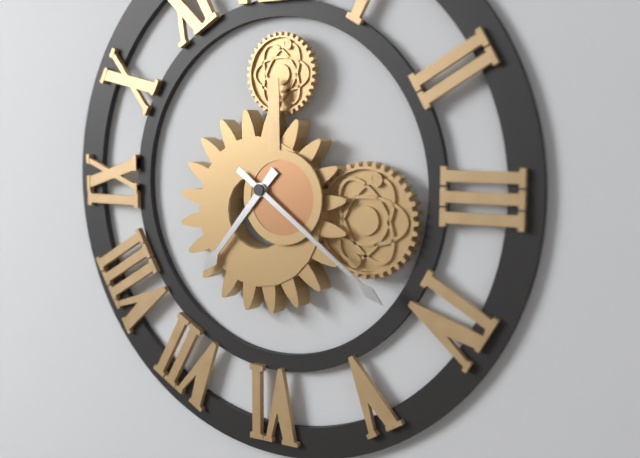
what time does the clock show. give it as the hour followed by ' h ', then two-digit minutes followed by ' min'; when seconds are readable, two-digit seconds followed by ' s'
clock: 7 h 21 min
